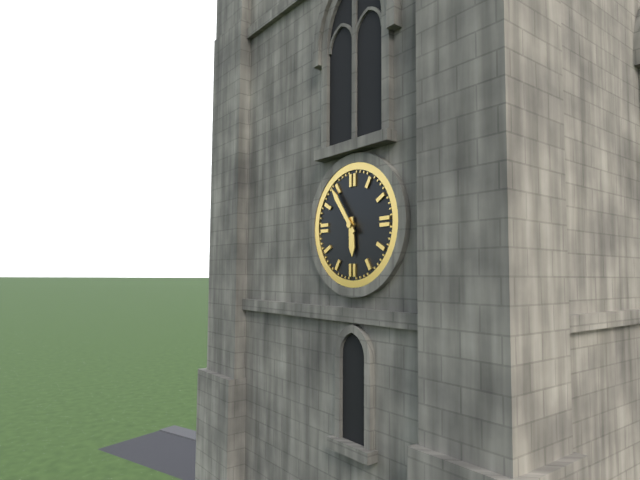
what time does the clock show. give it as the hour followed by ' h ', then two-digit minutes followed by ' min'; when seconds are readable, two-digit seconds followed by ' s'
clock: 5 h 54 min
